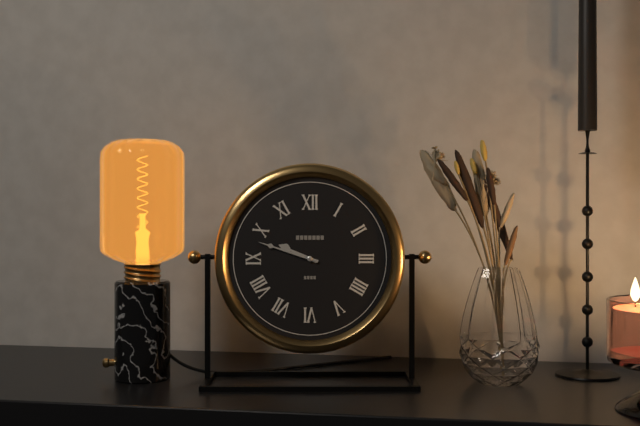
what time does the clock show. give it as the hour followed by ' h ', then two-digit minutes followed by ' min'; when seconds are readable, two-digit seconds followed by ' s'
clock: 9 h 48 min
